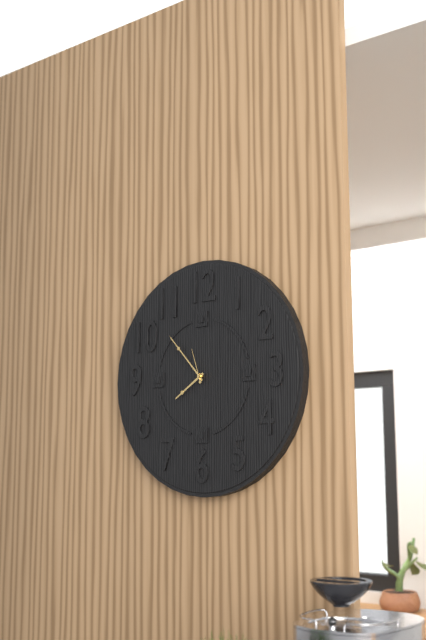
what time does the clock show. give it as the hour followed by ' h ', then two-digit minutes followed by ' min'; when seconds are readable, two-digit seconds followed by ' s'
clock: 7 h 53 min
